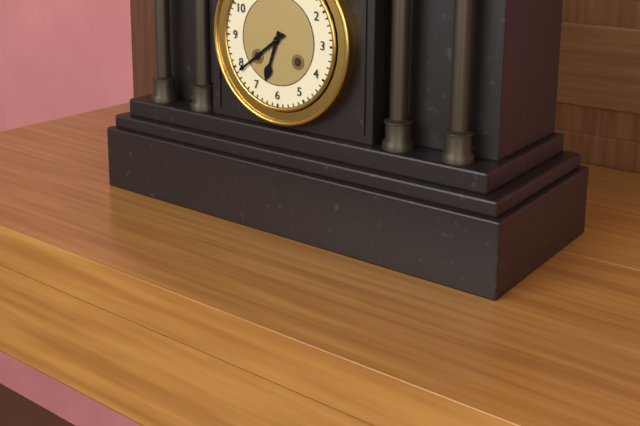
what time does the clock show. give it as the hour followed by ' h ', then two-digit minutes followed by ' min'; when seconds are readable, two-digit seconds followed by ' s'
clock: 6 h 39 min
